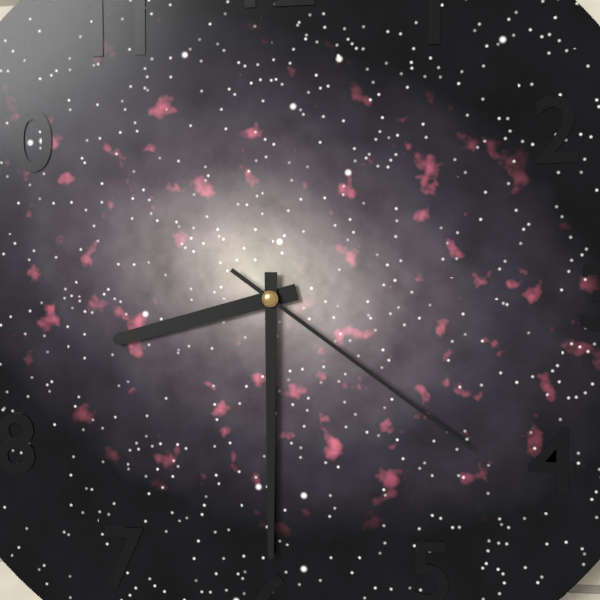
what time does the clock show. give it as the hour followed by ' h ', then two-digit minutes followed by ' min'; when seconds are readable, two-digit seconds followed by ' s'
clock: 8 h 30 min 21 s
